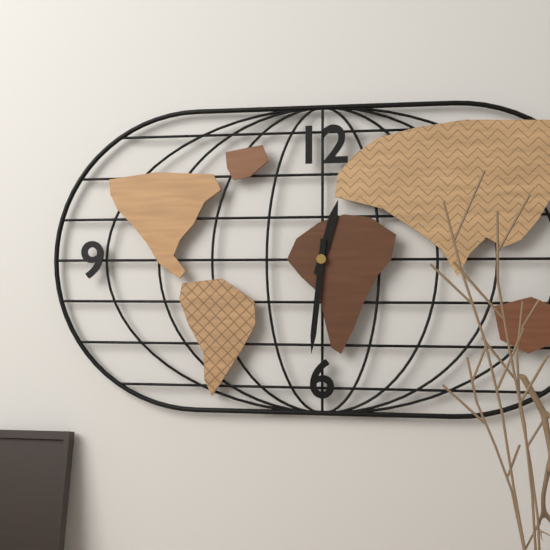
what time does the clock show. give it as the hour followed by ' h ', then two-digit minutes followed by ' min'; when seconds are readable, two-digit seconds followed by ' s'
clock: 12 h 31 min
